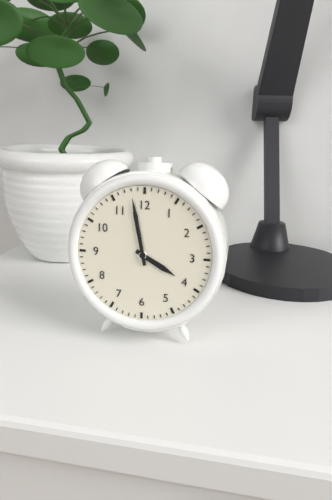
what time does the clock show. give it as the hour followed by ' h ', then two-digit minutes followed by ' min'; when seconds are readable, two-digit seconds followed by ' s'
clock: 3 h 58 min
